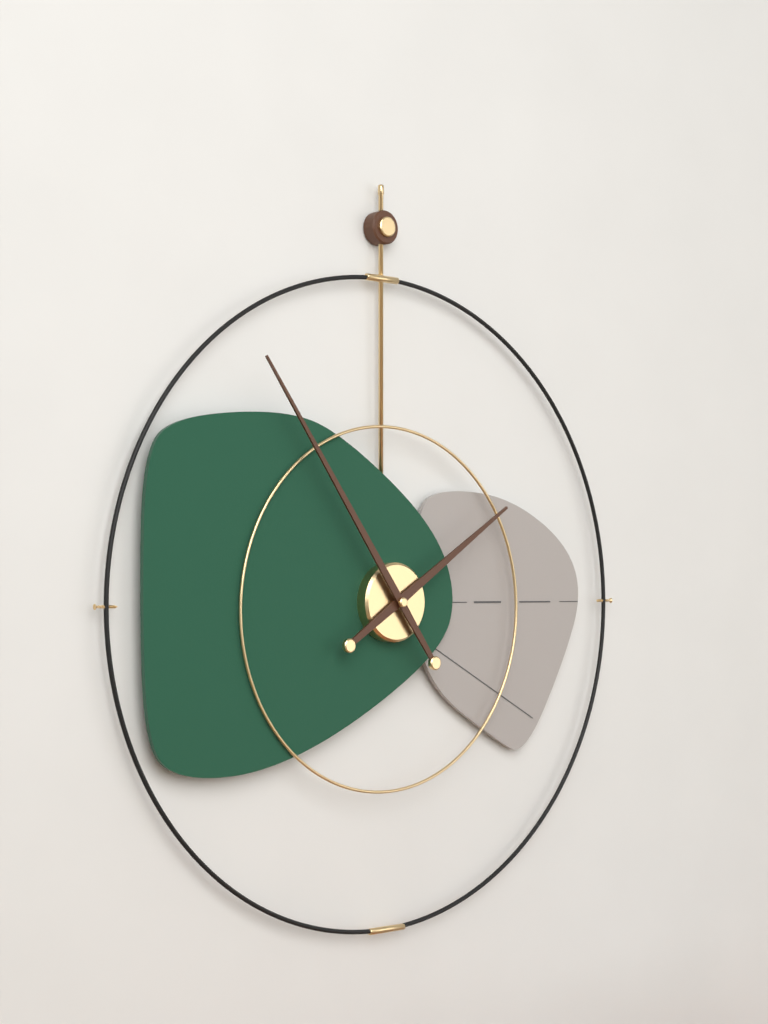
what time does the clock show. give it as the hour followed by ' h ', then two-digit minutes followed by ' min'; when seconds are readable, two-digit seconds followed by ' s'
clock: 1 h 54 min
